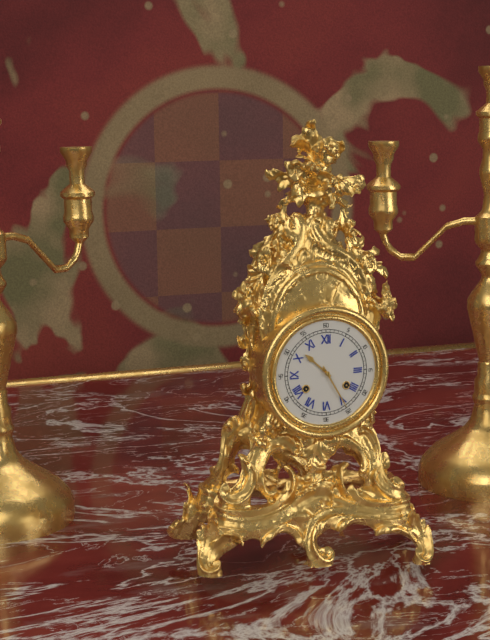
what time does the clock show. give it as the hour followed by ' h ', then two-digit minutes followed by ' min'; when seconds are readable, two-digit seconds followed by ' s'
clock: 10 h 25 min
